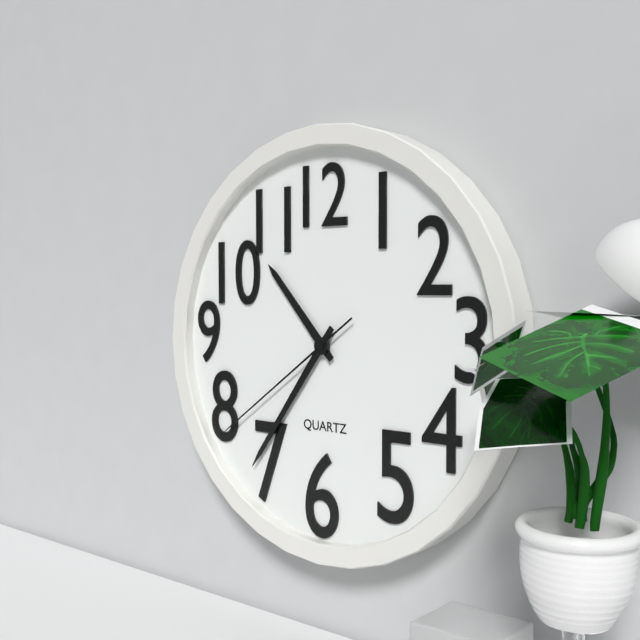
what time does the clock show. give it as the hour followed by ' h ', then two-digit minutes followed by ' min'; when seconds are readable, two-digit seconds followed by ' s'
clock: 10 h 36 min 39 s
